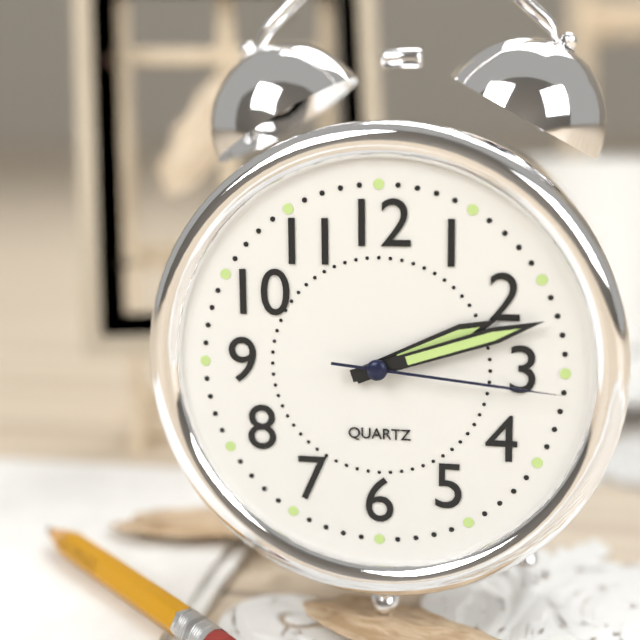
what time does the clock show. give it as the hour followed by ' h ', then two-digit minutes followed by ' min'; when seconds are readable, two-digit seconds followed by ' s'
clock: 2 h 12 min 16 s
